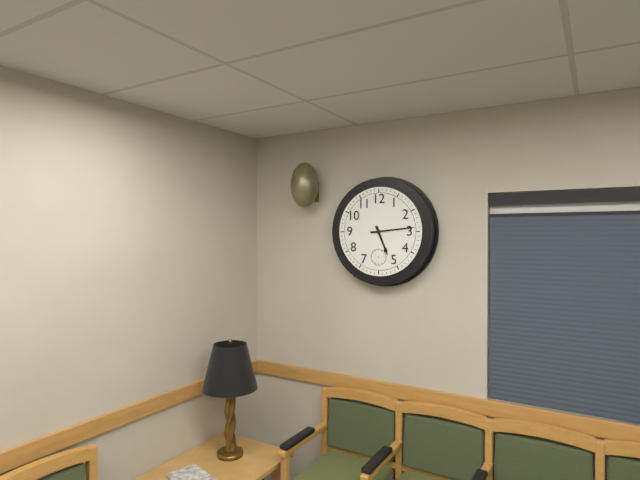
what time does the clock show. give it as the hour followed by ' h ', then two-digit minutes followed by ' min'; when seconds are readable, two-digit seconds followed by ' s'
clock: 5 h 14 min
